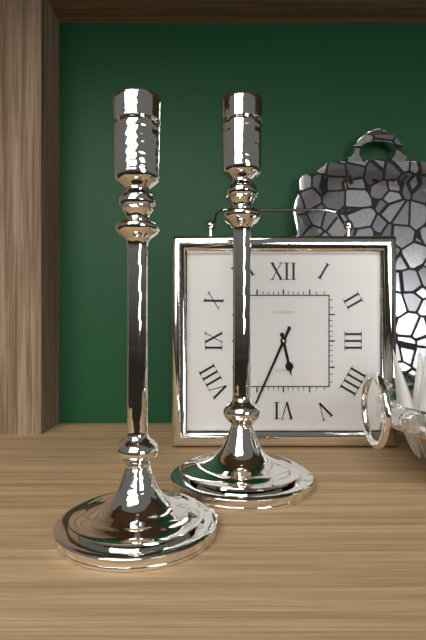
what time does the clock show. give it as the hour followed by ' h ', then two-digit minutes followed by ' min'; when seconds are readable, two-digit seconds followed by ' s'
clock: 5 h 34 min
